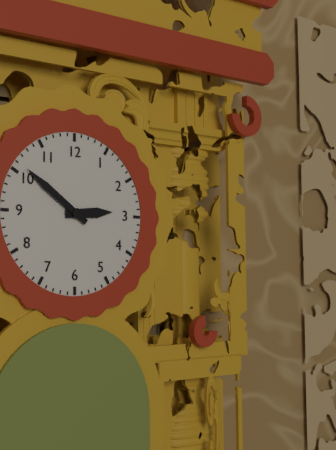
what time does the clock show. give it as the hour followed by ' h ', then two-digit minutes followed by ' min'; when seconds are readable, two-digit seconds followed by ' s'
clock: 2 h 51 min
